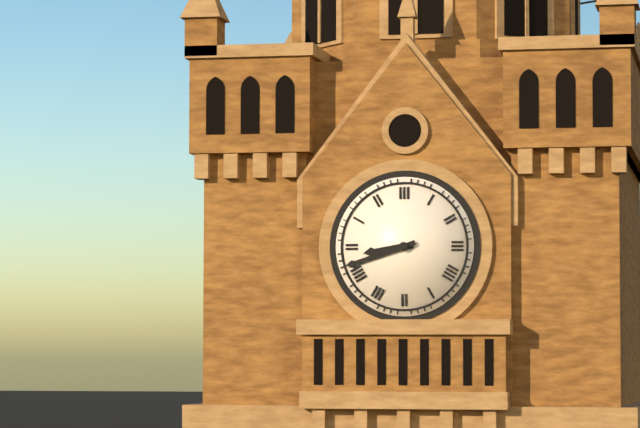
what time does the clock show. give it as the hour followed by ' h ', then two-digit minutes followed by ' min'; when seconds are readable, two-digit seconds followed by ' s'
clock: 8 h 42 min
